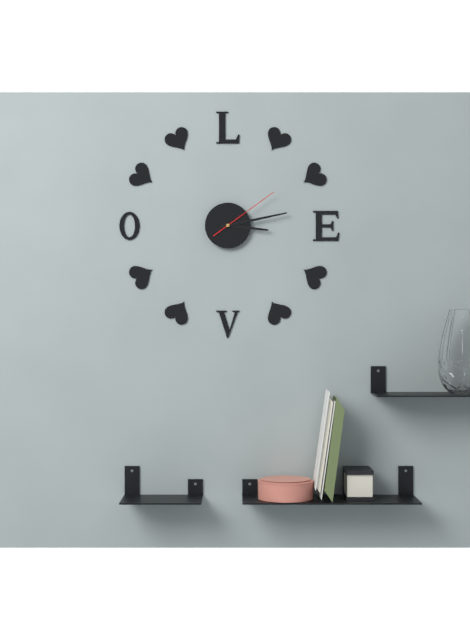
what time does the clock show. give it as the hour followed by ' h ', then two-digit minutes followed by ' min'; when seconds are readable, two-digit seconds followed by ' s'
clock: 3 h 13 min 09 s
